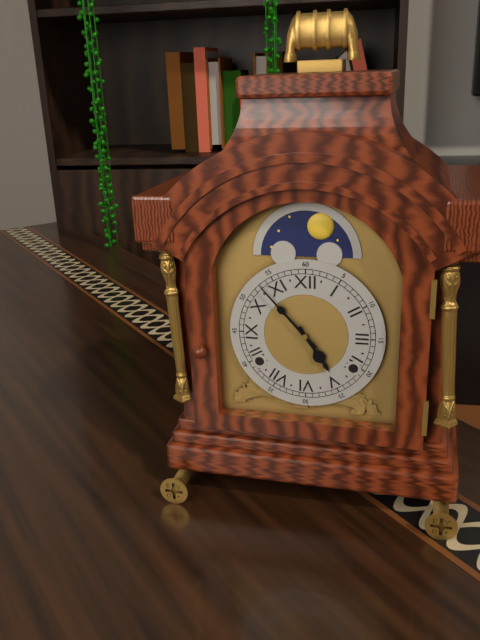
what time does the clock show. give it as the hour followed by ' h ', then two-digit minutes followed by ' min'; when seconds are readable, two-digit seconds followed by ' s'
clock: 4 h 53 min
